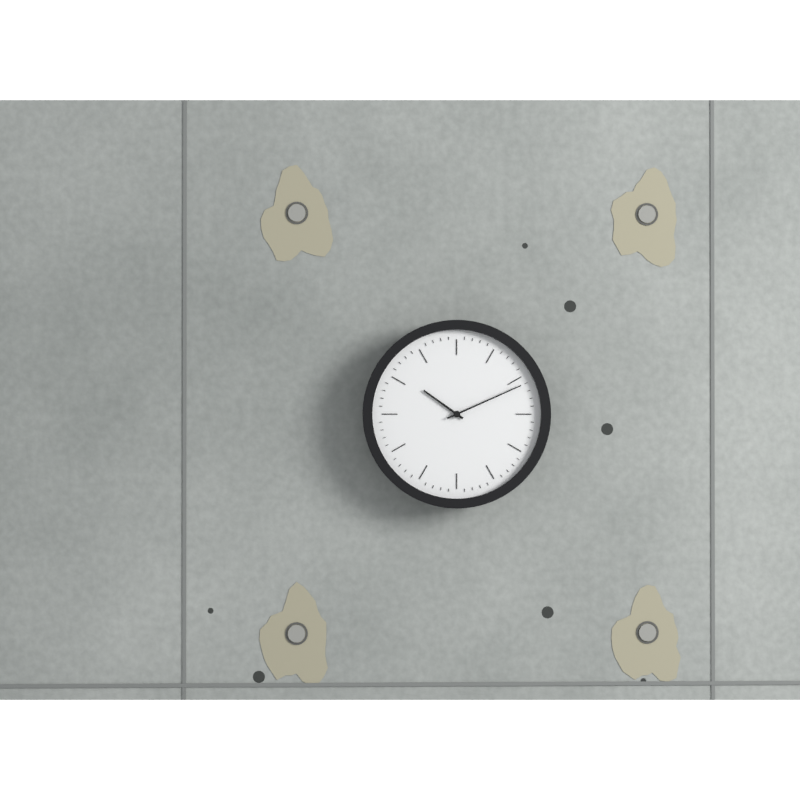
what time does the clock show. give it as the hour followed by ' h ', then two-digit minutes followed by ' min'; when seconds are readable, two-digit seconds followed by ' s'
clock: 10 h 11 min
